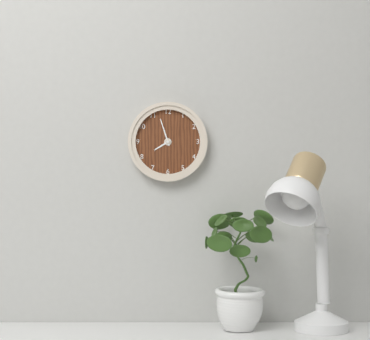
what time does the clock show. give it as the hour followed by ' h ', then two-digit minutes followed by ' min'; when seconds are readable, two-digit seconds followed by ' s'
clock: 7 h 57 min
